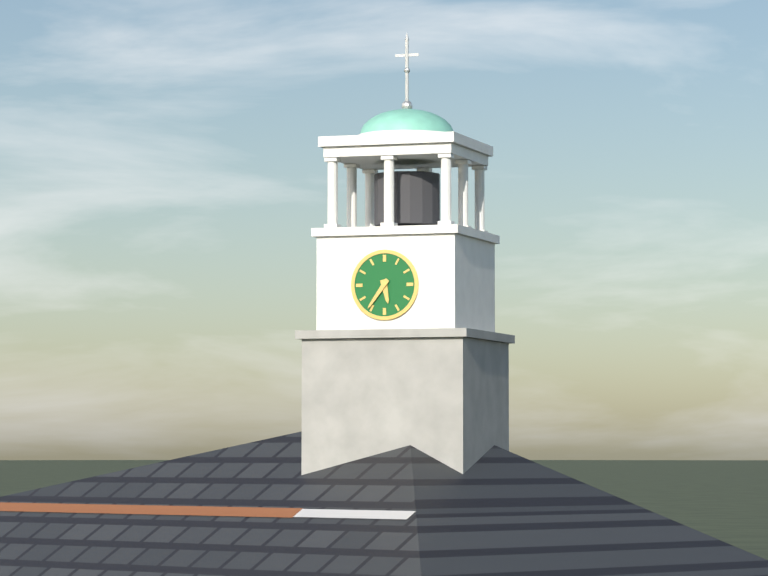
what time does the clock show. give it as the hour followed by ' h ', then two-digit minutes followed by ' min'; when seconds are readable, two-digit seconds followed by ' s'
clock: 5 h 36 min
